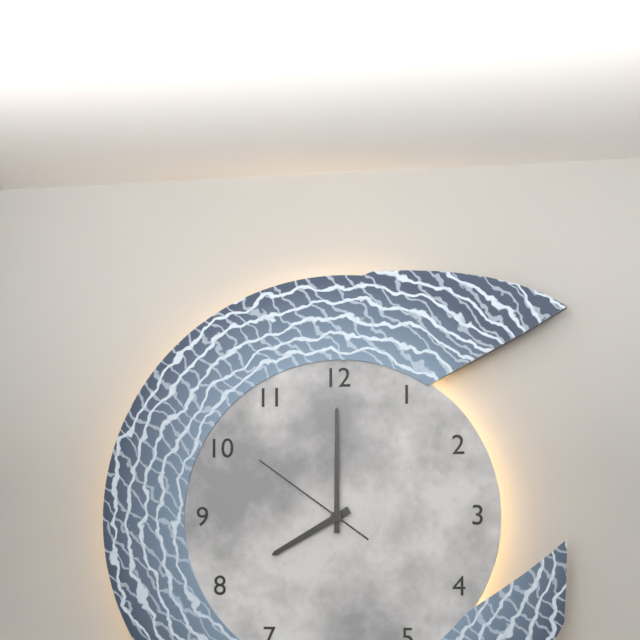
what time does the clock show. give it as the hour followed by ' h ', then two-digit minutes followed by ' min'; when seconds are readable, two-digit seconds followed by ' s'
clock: 8 h 00 min 51 s
